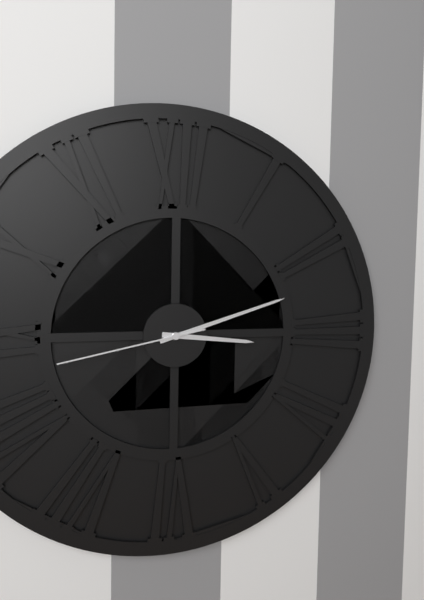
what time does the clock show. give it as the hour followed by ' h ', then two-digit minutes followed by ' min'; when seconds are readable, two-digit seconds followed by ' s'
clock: 3 h 12 min 43 s
